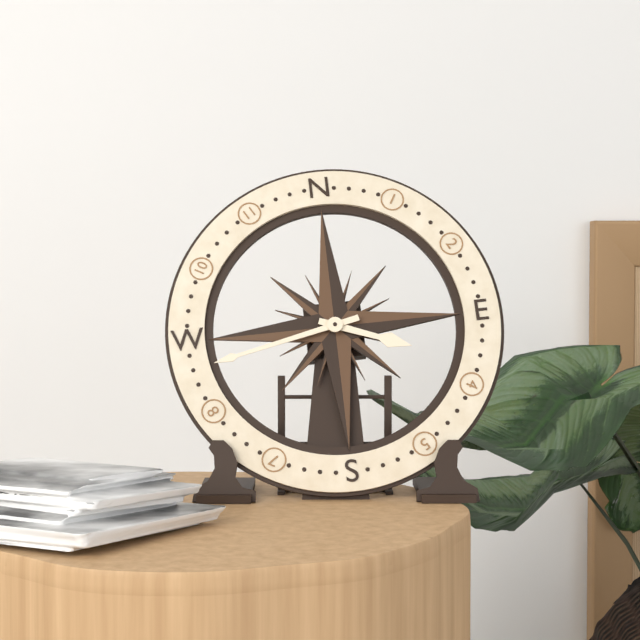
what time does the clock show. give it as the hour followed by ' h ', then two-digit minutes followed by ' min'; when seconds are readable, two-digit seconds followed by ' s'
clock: 3 h 43 min
